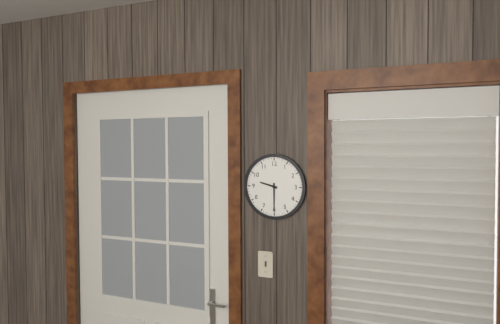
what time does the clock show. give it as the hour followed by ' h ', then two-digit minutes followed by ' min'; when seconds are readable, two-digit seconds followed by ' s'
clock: 9 h 30 min
